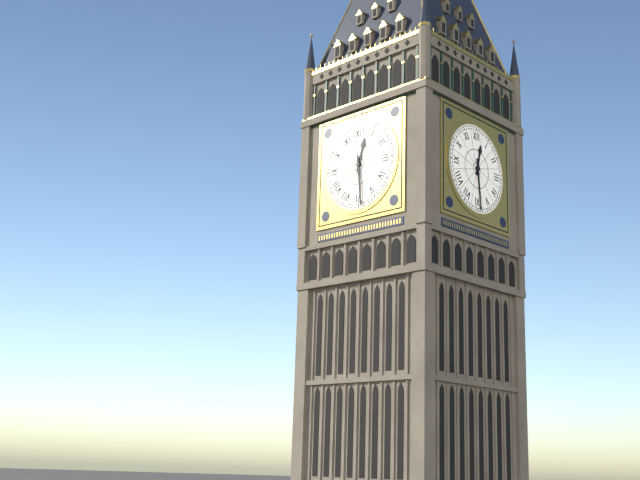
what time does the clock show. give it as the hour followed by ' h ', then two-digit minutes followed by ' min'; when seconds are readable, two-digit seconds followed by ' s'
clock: 12 h 29 min
